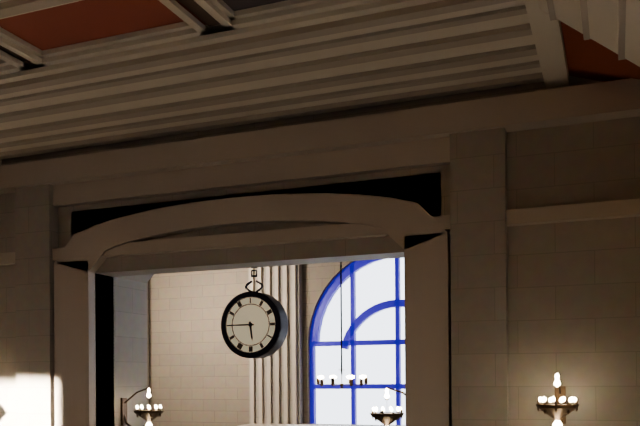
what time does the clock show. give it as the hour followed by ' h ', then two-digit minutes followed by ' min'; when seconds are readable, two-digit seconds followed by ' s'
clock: 5 h 45 min
